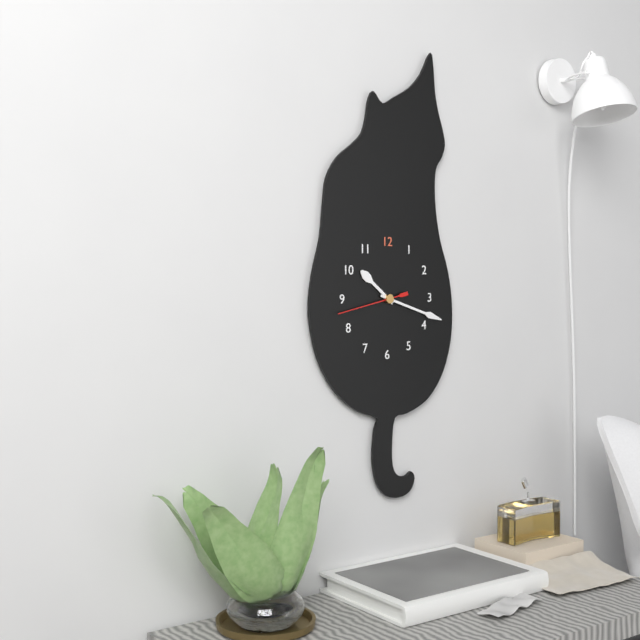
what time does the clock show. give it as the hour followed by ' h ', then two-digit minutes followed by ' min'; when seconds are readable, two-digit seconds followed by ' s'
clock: 10 h 18 min 43 s
